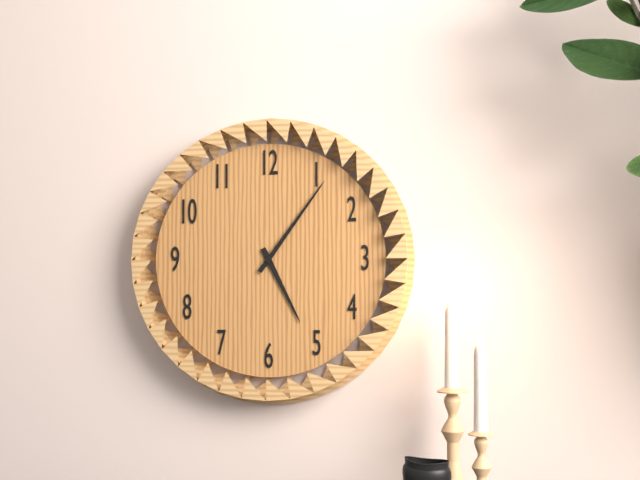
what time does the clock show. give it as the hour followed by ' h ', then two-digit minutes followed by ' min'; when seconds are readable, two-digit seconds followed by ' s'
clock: 5 h 06 min
